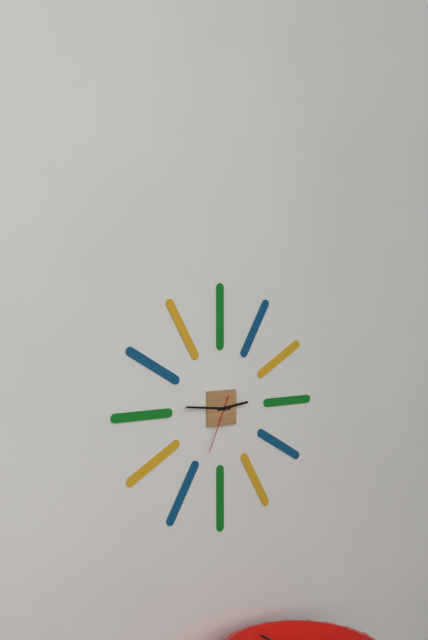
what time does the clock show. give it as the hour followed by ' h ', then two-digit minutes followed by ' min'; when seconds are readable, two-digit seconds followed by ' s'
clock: 2 h 46 min 34 s
